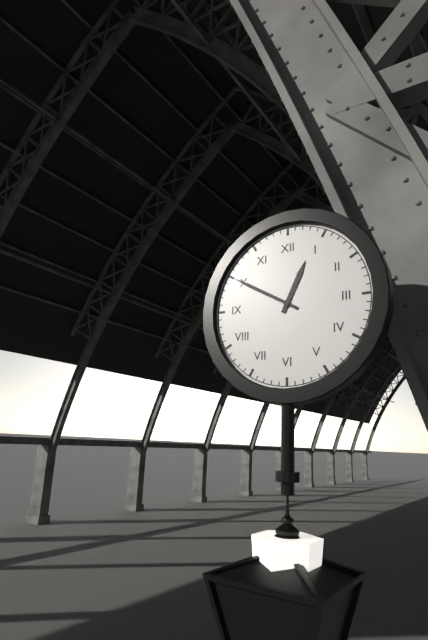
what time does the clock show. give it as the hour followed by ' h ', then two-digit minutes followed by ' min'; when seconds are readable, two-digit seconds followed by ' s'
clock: 12 h 50 min
